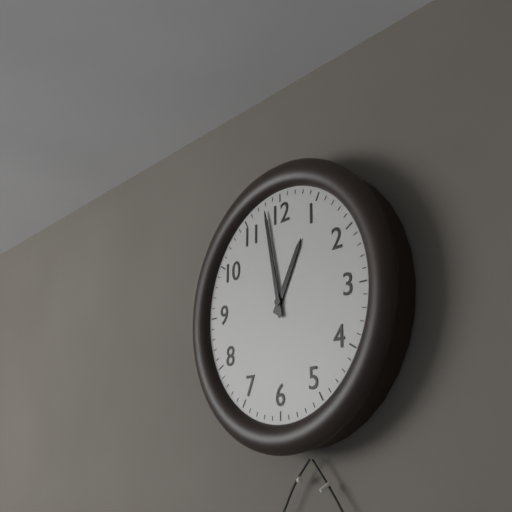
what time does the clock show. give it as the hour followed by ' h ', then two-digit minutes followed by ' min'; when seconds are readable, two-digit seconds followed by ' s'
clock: 12 h 58 min
